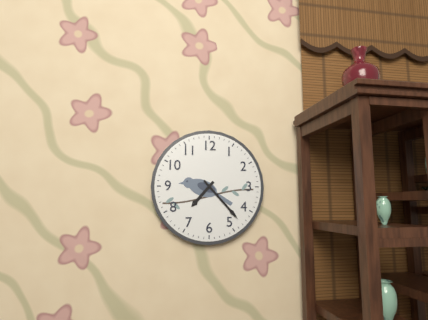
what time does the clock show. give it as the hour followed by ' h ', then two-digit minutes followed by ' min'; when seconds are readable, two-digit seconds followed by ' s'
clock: 7 h 23 min
